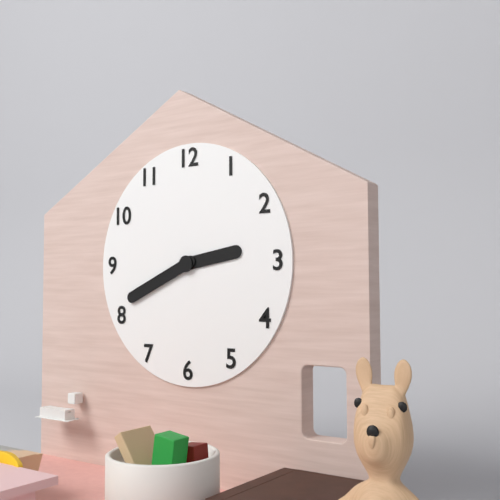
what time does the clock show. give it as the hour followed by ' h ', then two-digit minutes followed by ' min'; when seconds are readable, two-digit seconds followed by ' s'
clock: 2 h 41 min
